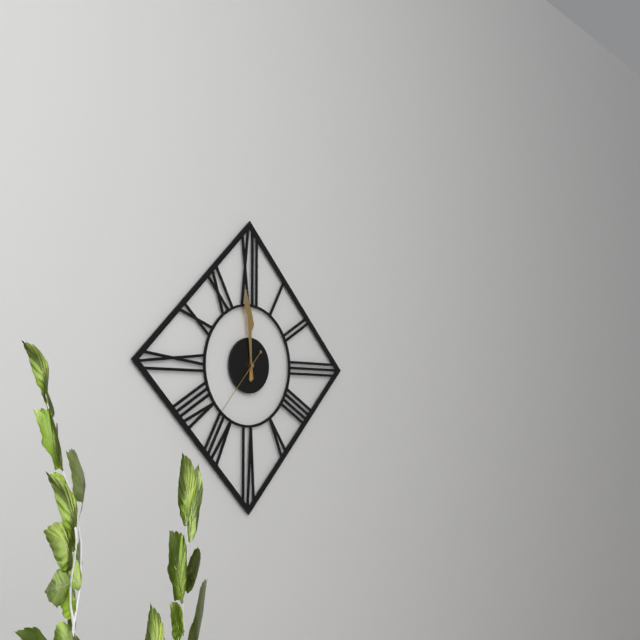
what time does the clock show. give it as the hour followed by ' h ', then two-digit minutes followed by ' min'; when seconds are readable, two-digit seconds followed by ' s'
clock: 11 h 59 min 37 s
